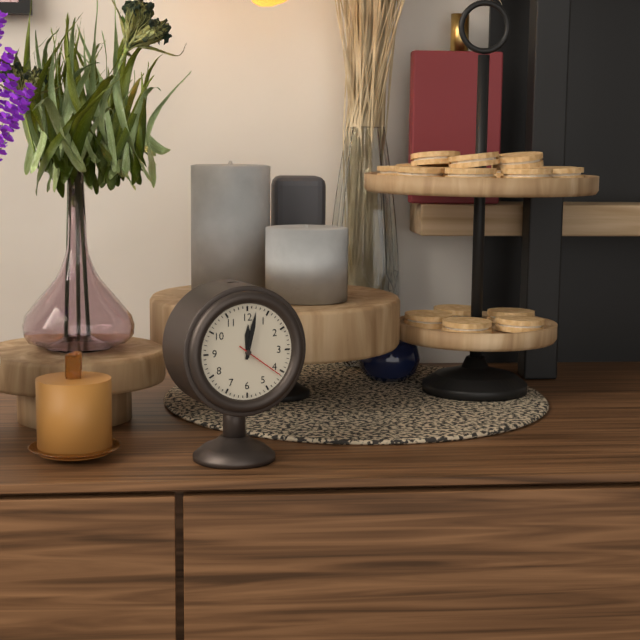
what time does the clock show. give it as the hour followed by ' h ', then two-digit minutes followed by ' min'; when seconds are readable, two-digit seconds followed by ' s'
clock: 12 h 02 min
